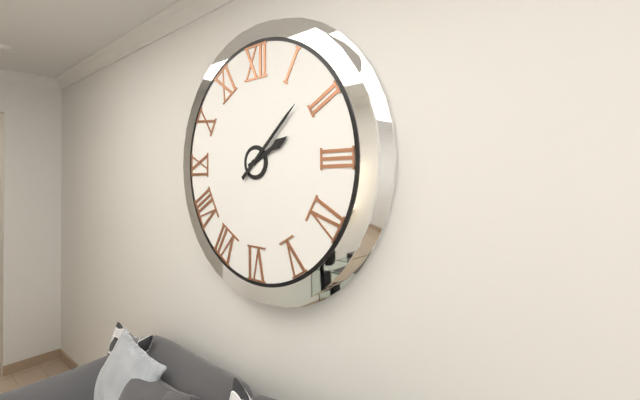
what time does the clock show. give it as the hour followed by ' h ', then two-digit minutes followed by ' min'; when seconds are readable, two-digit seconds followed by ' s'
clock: 2 h 08 min
